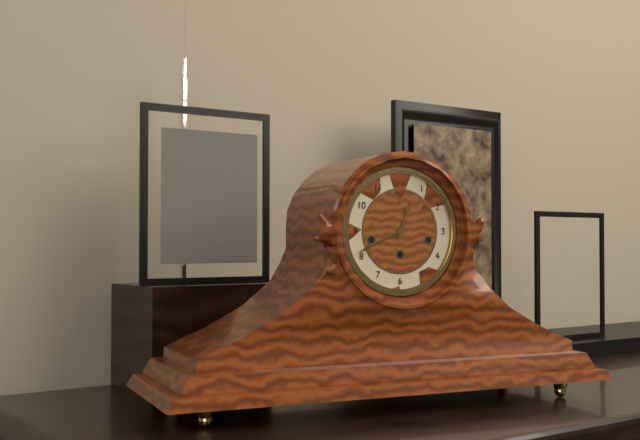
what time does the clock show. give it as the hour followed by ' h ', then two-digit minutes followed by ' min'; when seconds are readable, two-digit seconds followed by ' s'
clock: 12 h 41 min
